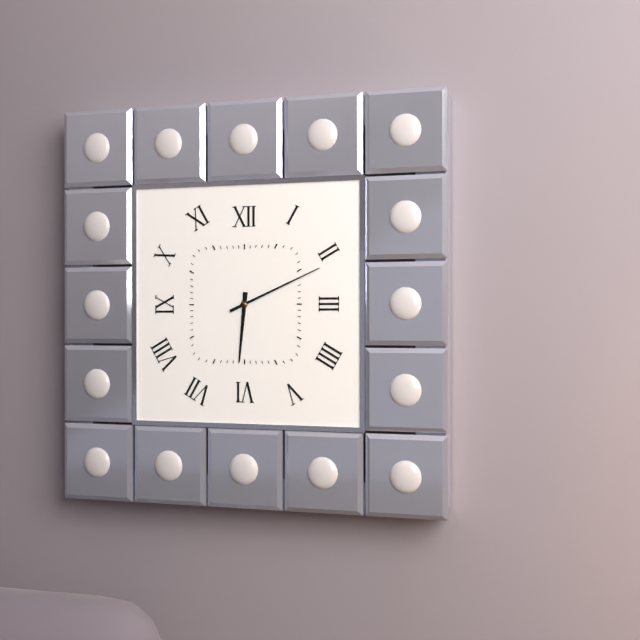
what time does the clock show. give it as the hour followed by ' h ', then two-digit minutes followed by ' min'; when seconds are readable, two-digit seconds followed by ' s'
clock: 6 h 11 min
